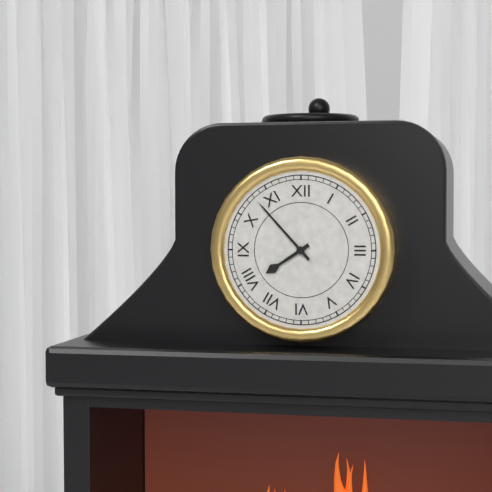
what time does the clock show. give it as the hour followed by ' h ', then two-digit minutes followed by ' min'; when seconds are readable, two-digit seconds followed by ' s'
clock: 7 h 53 min
